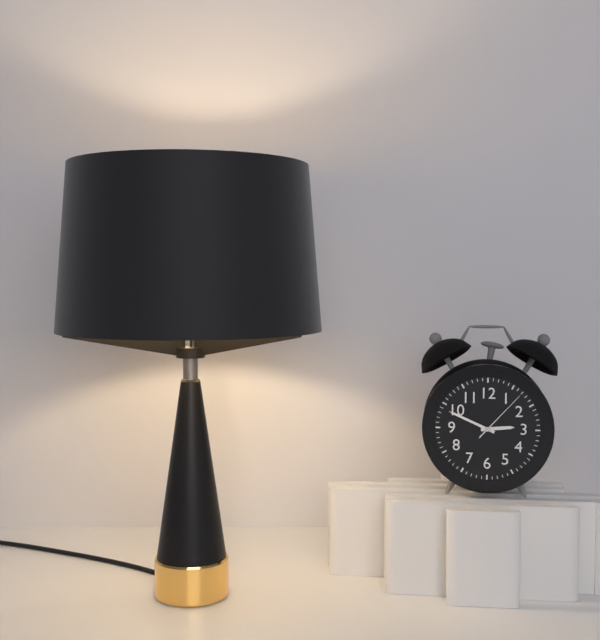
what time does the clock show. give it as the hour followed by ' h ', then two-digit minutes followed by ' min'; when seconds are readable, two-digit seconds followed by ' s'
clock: 2 h 49 min 07 s
